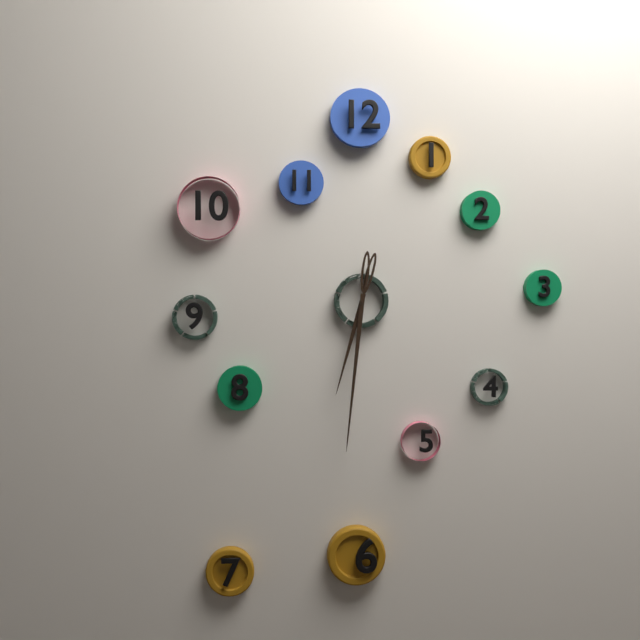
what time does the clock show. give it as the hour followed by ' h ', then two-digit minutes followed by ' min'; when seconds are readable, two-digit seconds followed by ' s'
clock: 6 h 31 min
